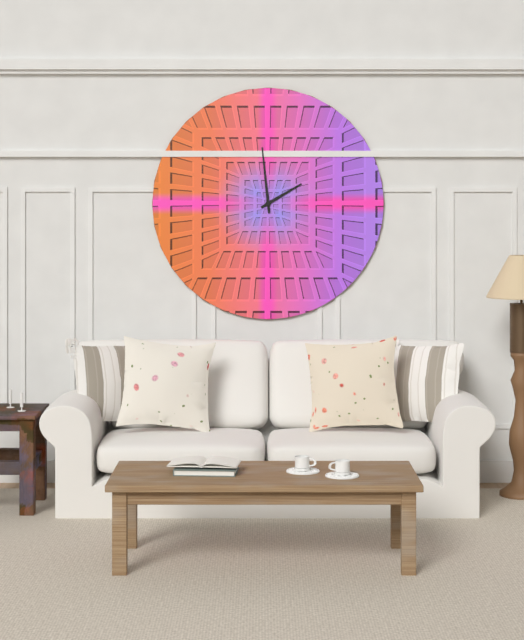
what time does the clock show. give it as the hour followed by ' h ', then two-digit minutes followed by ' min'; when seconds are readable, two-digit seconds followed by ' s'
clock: 1 h 59 min
